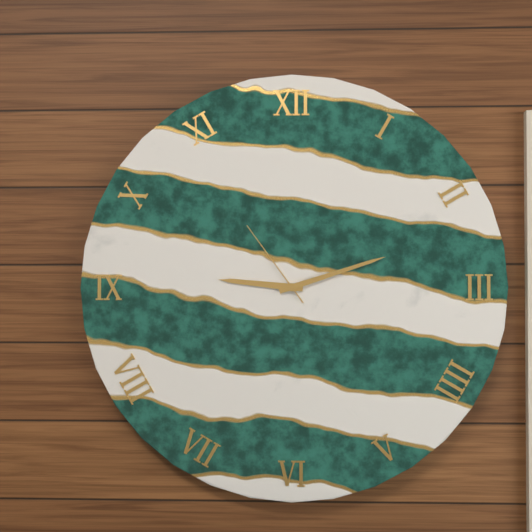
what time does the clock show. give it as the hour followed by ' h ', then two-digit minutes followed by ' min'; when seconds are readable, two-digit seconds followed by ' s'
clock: 9 h 12 min 54 s
